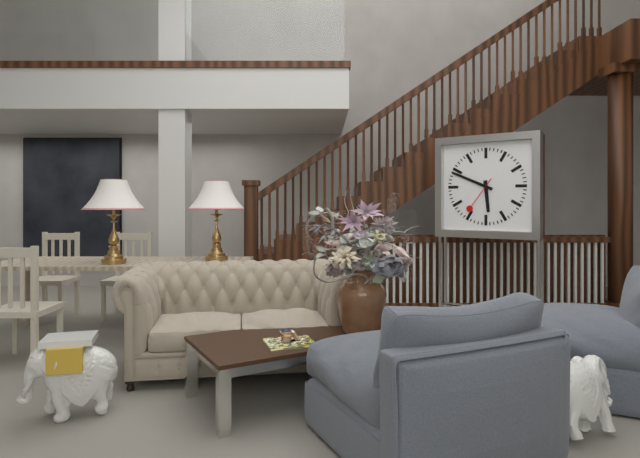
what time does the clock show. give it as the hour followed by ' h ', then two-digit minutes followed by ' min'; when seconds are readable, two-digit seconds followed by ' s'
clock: 5 h 49 min
